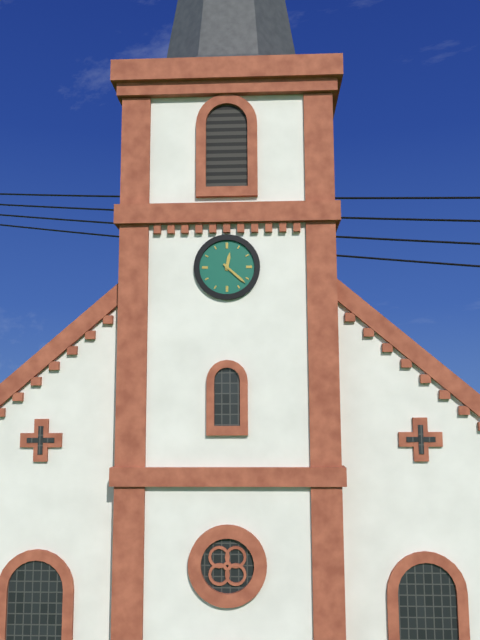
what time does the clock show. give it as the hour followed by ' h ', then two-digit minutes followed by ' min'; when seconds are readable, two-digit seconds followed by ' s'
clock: 12 h 22 min
